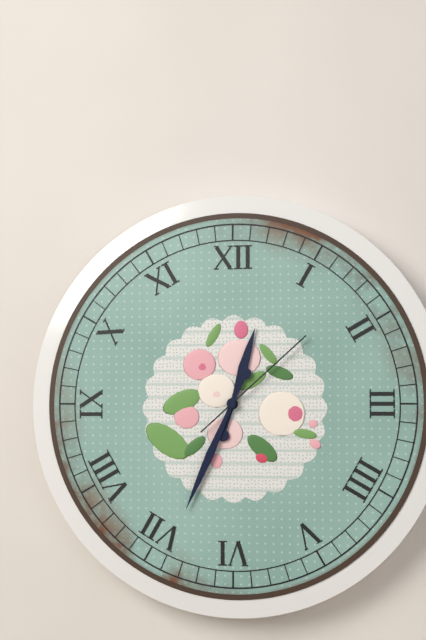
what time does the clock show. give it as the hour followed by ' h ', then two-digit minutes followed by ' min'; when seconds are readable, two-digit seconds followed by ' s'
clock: 12 h 34 min 08 s
